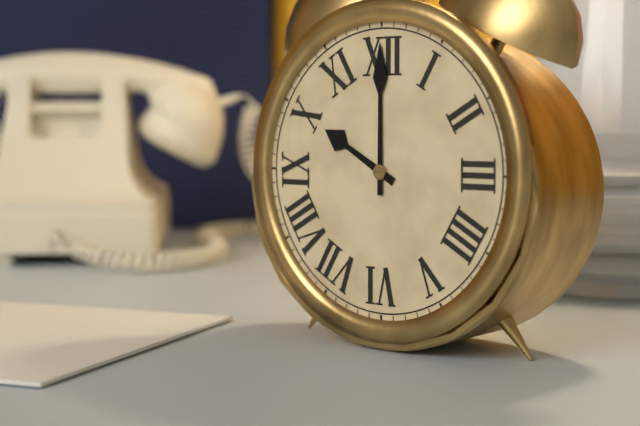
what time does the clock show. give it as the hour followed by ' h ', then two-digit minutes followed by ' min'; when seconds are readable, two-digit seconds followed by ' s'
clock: 10 h 00 min
